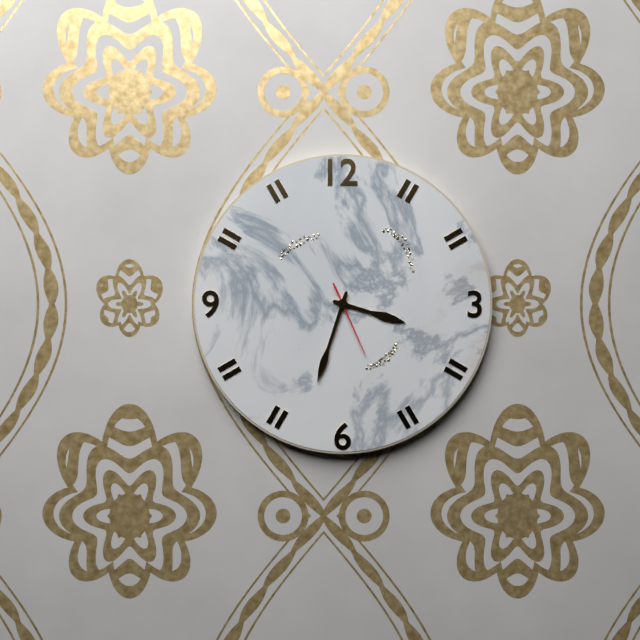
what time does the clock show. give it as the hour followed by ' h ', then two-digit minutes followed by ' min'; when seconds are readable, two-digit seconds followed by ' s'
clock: 3 h 33 min 26 s
